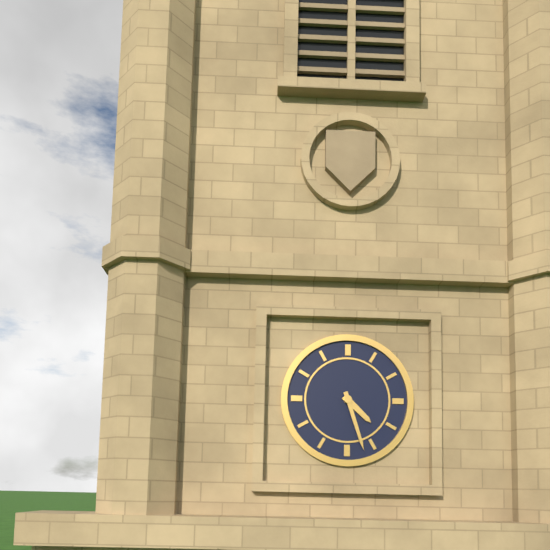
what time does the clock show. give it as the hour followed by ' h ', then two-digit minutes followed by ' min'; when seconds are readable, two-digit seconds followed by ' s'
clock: 4 h 27 min
